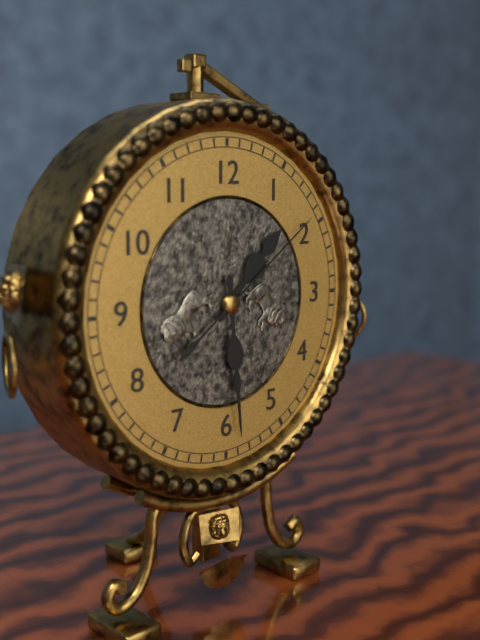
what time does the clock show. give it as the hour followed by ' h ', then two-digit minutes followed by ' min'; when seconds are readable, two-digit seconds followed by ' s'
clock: 1 h 29 min 09 s
